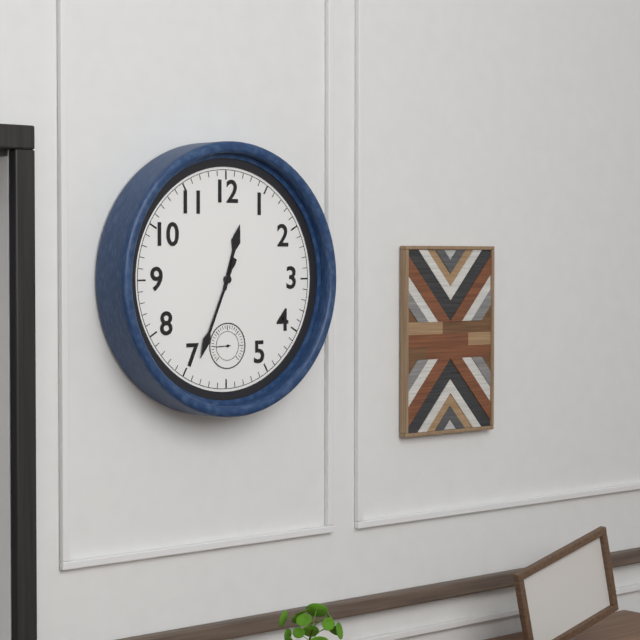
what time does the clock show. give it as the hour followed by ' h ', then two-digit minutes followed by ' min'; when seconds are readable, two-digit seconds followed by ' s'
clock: 12 h 34 min
